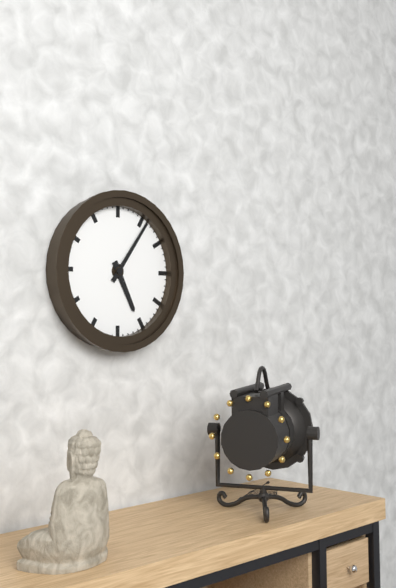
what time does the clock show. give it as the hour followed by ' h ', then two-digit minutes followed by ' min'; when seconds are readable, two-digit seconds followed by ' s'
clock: 5 h 06 min
